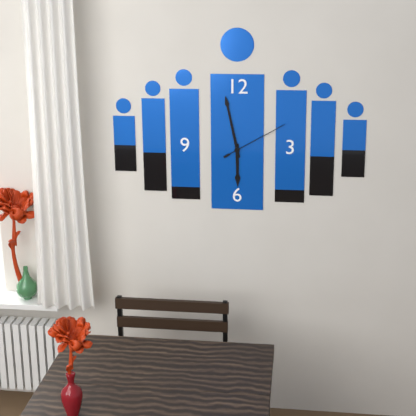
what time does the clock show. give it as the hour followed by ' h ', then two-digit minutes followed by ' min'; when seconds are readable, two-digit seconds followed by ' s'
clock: 5 h 58 min 10 s
